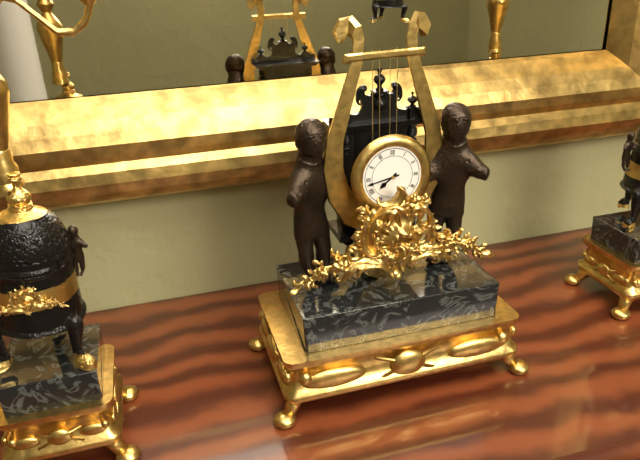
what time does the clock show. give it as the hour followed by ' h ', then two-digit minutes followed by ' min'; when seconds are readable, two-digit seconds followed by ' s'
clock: 7 h 43 min
